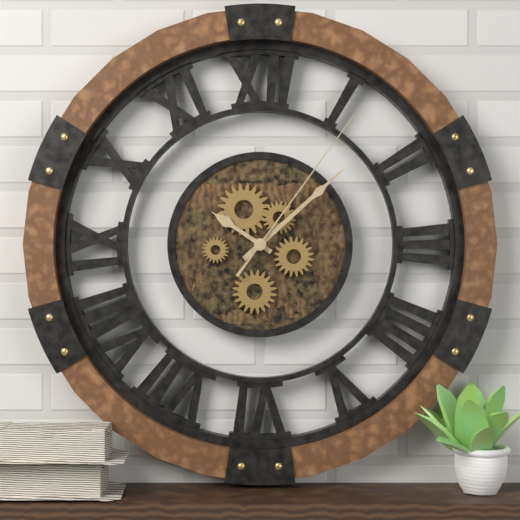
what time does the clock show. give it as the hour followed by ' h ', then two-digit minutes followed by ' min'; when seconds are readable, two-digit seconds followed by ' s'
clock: 10 h 08 min 06 s
